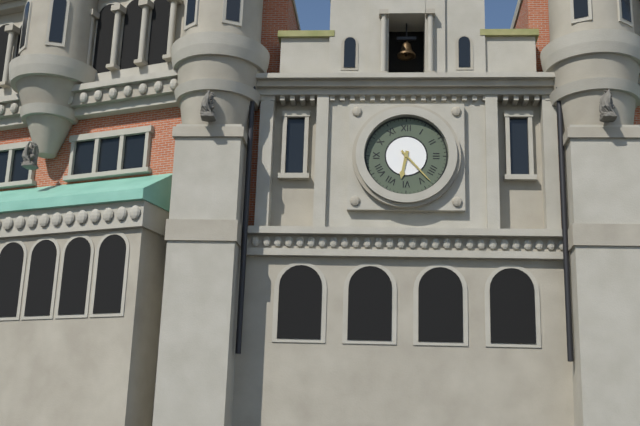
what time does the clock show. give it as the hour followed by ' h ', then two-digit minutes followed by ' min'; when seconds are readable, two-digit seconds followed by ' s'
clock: 6 h 23 min
